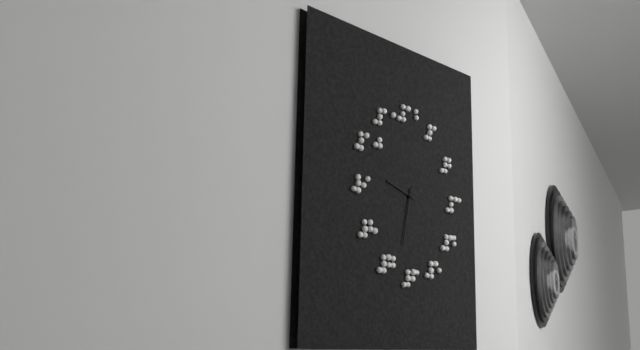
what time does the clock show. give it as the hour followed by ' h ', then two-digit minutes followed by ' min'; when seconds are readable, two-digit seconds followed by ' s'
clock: 9 h 32 min
